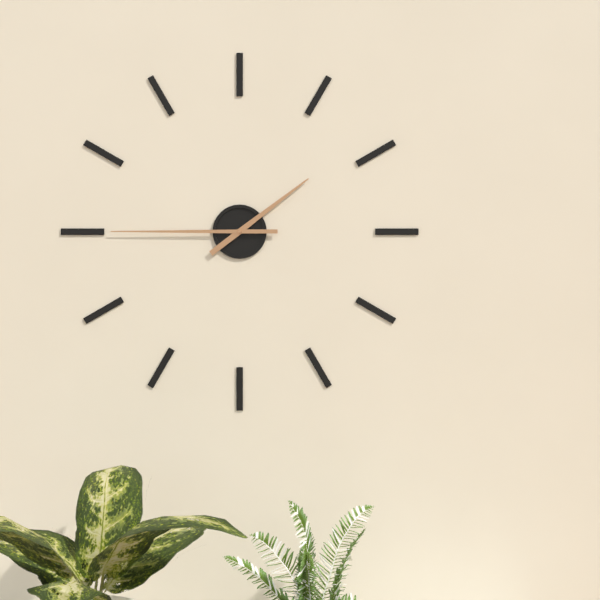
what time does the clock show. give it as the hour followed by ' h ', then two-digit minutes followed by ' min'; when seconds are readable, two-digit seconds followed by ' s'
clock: 1 h 45 min
